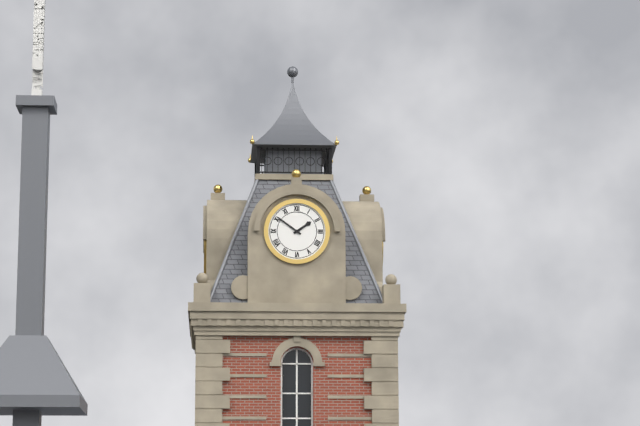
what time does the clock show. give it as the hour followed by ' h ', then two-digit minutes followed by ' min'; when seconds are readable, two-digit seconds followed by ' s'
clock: 1 h 51 min
